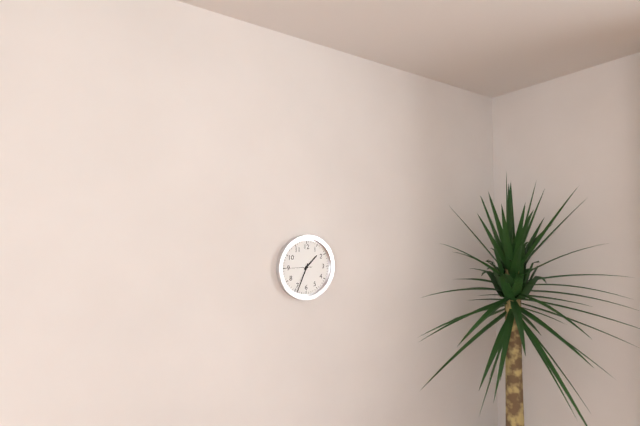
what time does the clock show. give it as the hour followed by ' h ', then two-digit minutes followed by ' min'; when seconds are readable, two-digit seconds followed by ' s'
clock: 1 h 34 min
